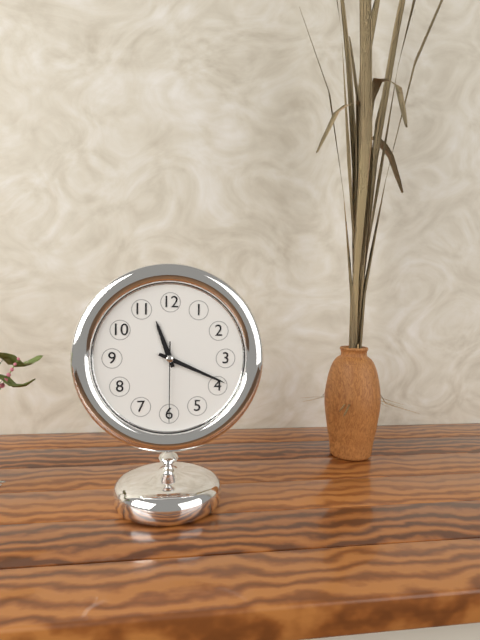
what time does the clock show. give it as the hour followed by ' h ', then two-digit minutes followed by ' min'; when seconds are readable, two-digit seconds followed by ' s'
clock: 11 h 19 min 30 s
